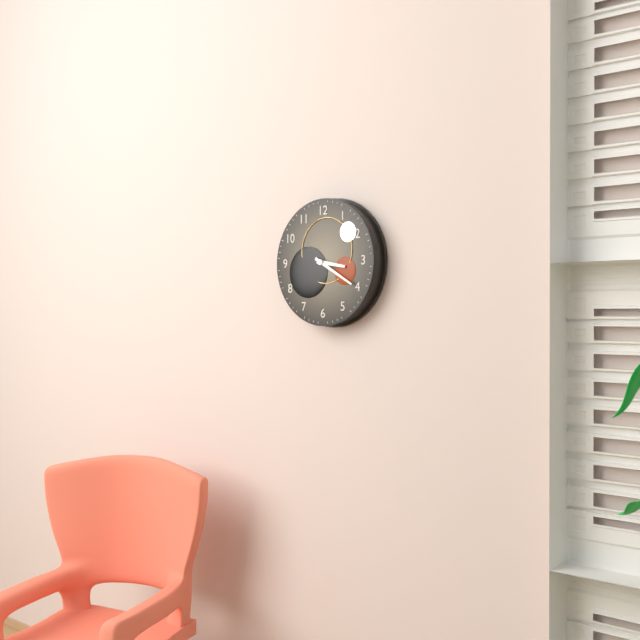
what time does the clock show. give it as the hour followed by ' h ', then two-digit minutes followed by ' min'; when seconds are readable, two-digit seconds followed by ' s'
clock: 3 h 20 min
